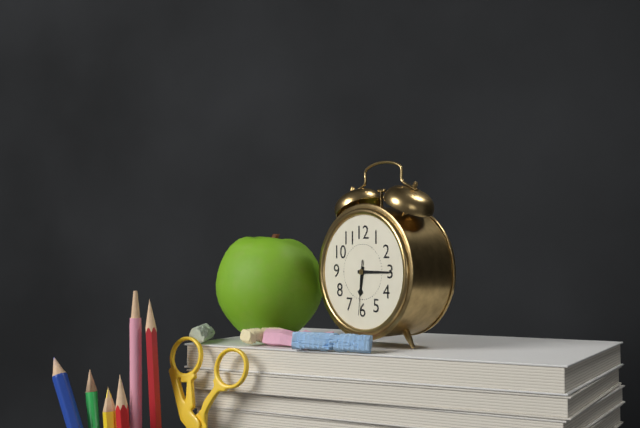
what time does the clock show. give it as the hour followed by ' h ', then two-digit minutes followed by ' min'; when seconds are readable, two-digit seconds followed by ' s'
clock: 6 h 15 min 31 s
